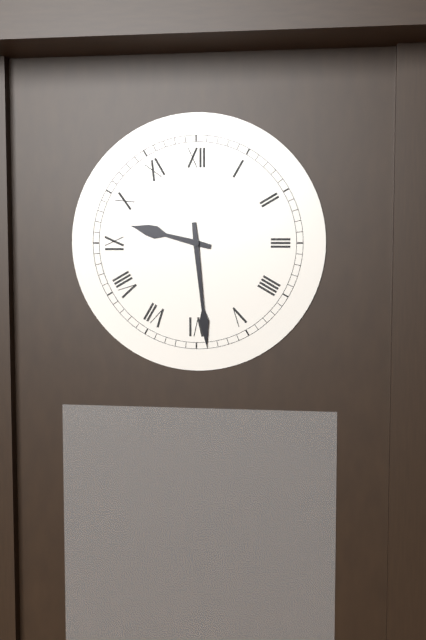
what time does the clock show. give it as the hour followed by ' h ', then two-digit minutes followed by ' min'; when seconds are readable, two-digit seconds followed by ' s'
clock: 9 h 29 min
